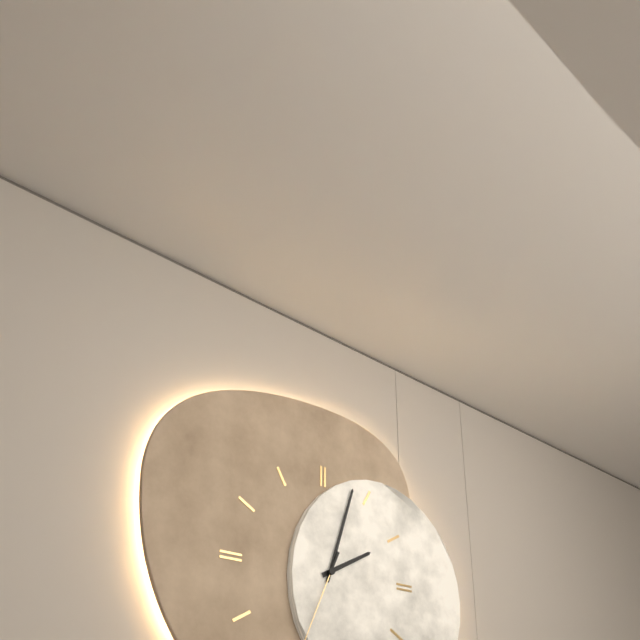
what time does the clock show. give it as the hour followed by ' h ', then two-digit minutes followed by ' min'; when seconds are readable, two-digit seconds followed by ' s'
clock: 2 h 03 min
